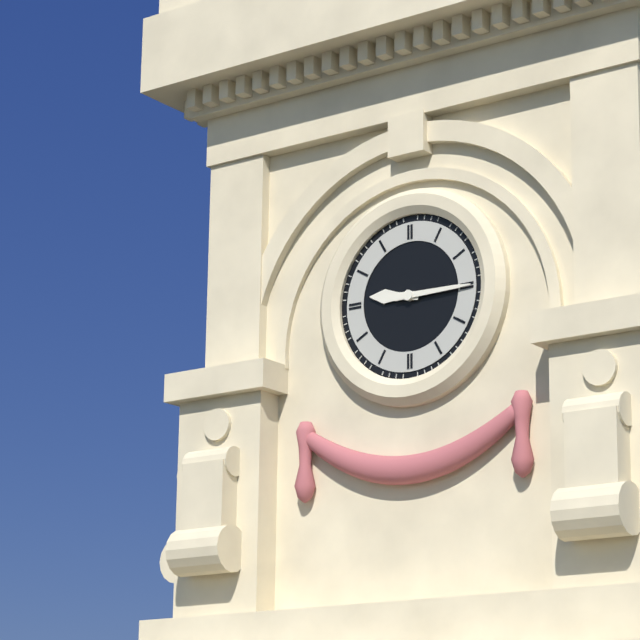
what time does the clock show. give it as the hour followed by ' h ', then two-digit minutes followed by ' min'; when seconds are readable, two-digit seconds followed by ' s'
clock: 9 h 15 min
